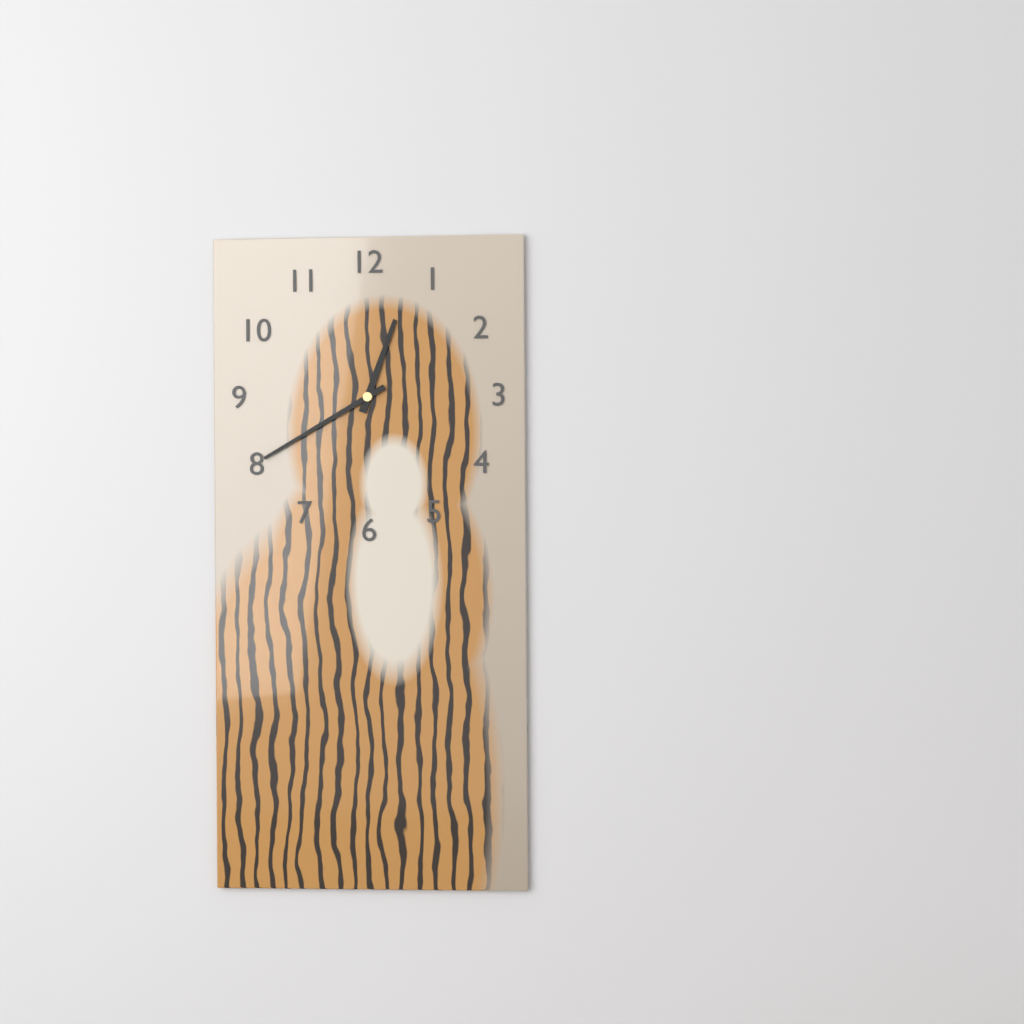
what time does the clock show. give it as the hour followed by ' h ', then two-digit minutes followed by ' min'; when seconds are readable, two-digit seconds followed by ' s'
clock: 12 h 40 min
